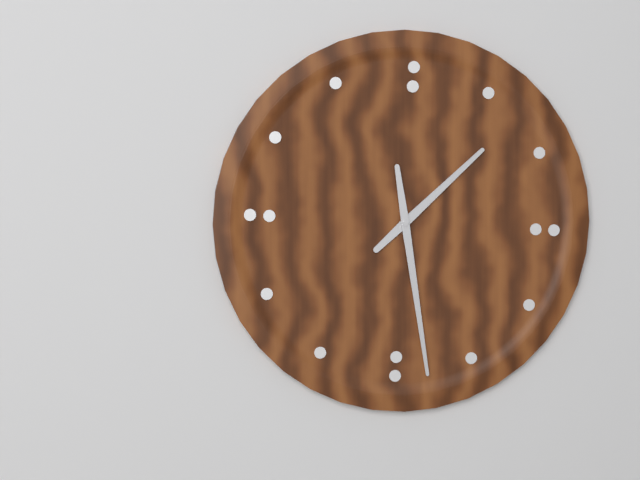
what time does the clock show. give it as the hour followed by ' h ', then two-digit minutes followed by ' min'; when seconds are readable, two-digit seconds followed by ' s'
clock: 1 h 28 min
